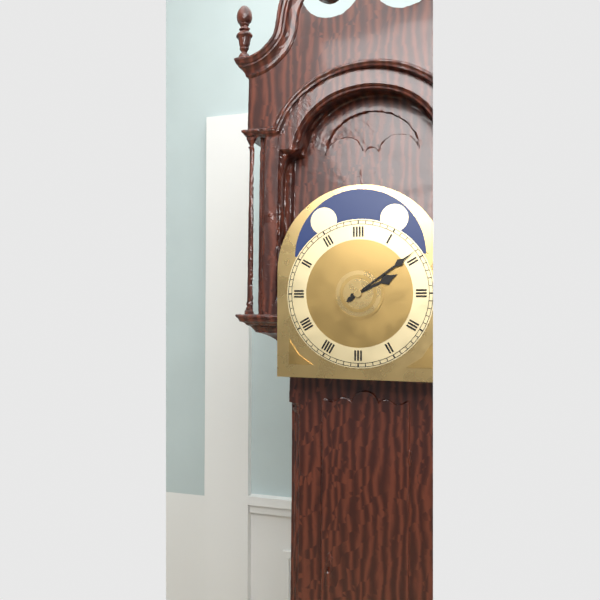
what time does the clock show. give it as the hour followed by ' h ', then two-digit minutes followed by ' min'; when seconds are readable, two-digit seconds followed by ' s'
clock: 2 h 09 min
